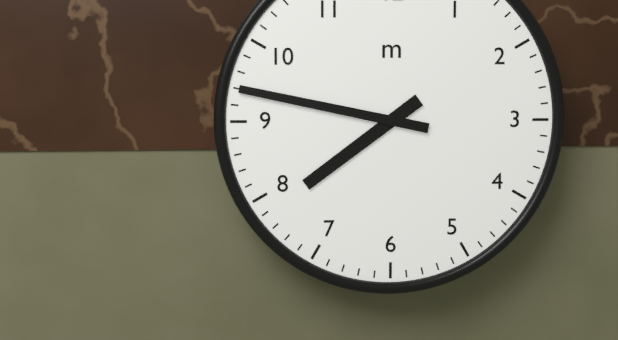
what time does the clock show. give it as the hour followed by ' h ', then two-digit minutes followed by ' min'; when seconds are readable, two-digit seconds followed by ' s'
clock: 7 h 47 min
